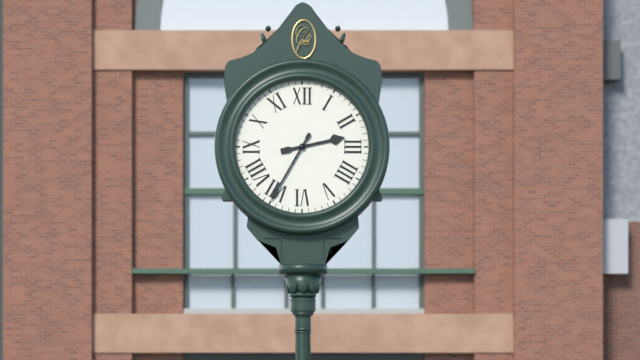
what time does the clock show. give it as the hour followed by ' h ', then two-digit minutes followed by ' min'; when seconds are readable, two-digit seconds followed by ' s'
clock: 2 h 35 min
